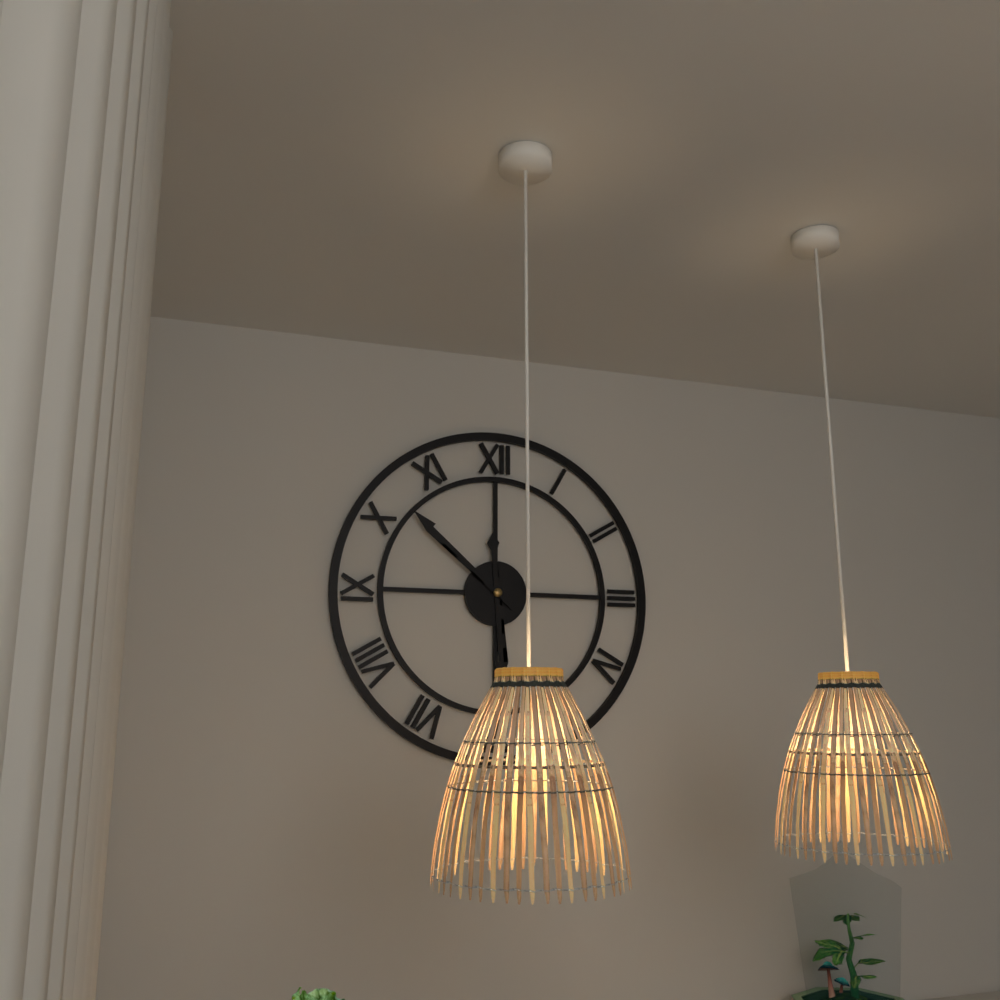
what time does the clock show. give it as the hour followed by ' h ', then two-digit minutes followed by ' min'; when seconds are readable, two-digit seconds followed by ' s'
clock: 5 h 52 min
